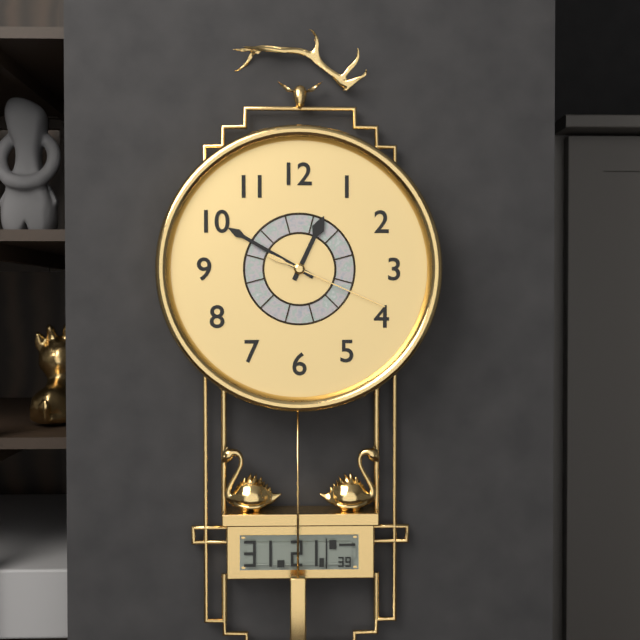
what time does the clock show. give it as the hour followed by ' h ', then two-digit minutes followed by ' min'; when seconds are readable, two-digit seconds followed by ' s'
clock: 12 h 50 min 19 s
